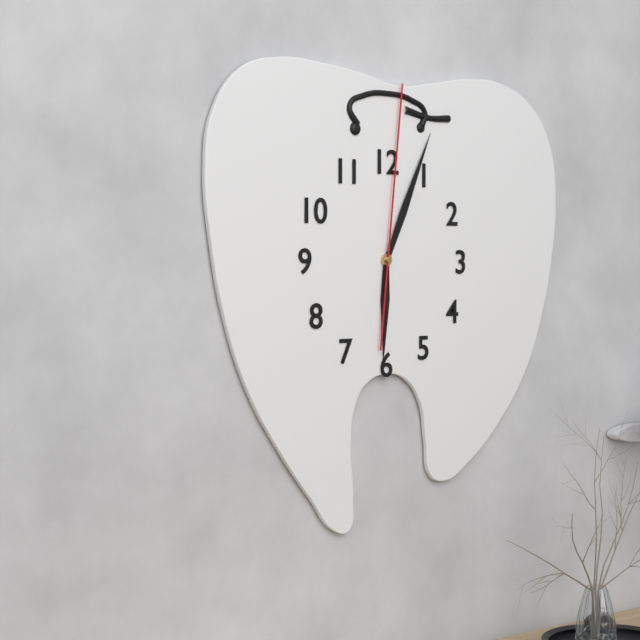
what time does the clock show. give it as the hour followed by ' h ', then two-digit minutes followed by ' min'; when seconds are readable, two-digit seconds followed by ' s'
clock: 6 h 04 min 01 s
